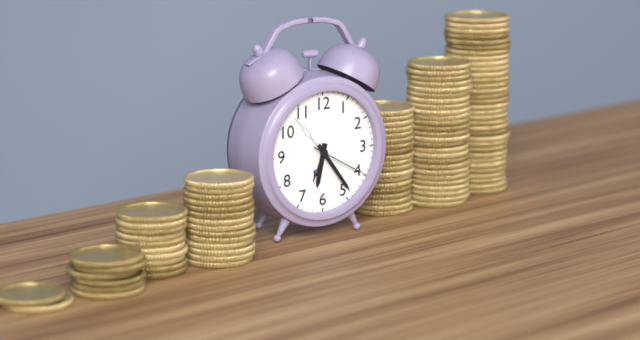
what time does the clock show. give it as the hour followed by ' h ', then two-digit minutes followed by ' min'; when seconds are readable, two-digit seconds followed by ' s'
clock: 6 h 24 min 20 s
